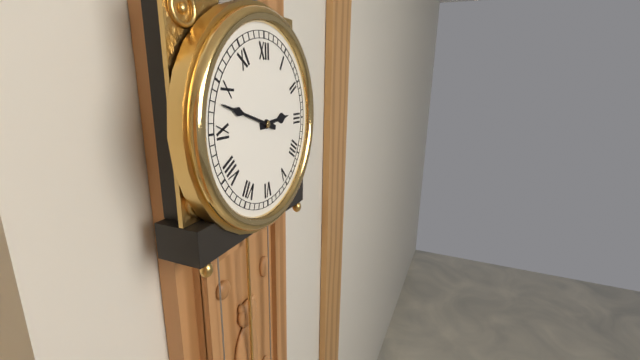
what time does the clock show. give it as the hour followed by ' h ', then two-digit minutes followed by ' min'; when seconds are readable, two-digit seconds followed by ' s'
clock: 2 h 48 min
